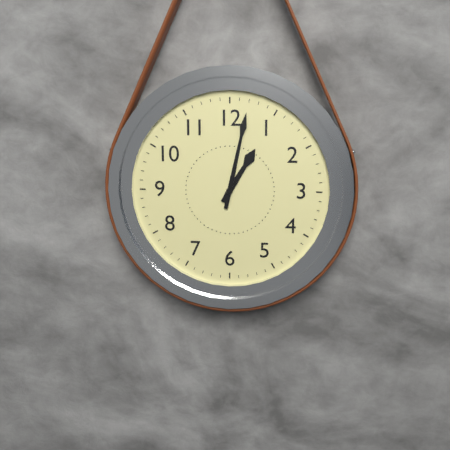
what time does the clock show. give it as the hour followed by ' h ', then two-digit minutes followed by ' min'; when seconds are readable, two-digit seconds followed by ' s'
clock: 1 h 02 min
